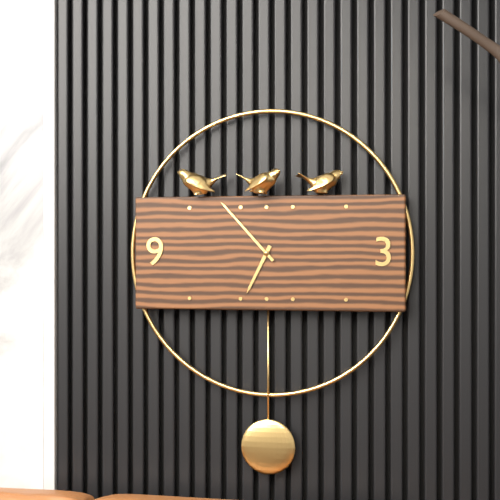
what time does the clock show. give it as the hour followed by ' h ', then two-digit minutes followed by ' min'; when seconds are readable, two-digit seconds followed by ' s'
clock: 6 h 53 min
